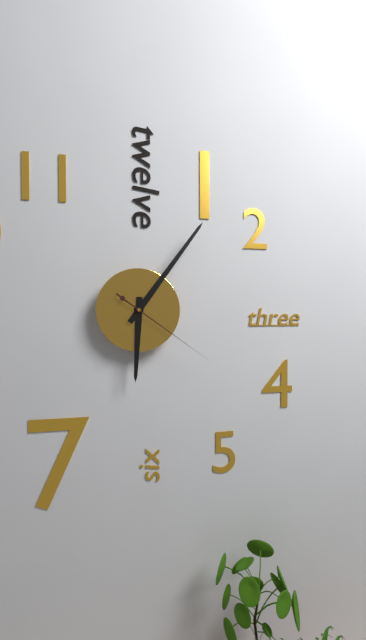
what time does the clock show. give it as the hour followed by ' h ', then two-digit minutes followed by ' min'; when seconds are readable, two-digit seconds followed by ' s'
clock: 6 h 06 min 21 s
